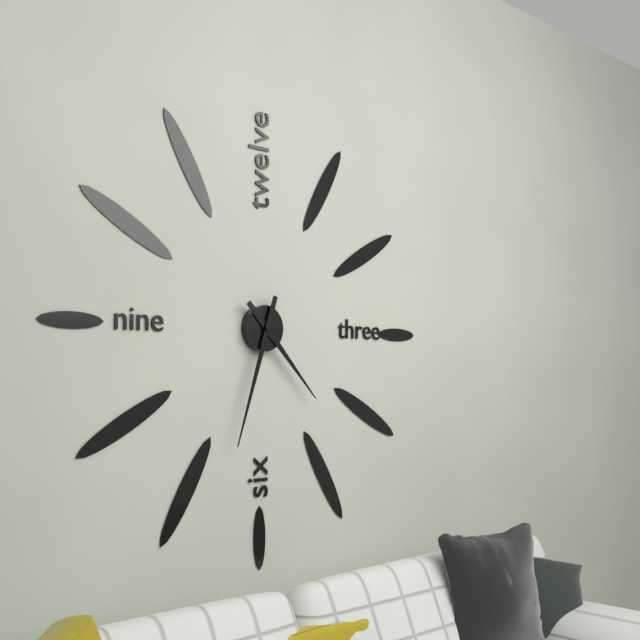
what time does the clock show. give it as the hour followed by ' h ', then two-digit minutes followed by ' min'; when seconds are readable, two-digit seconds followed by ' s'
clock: 4 h 33 min
